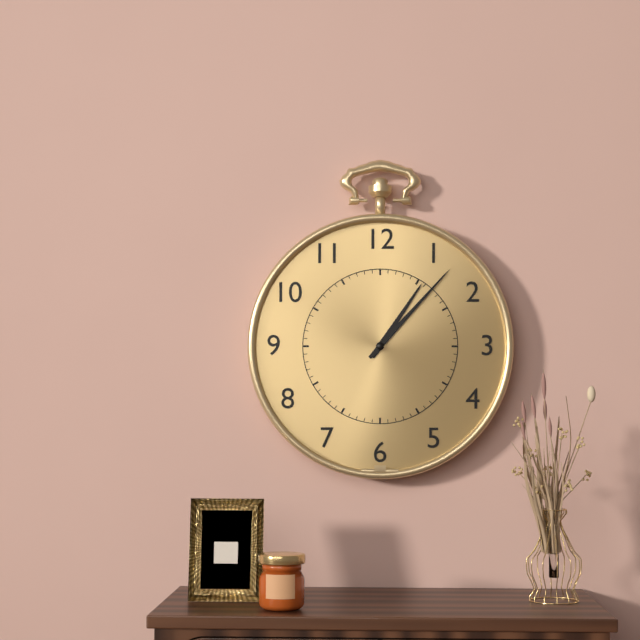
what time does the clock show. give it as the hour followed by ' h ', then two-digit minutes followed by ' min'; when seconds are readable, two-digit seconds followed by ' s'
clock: 1 h 07 min
